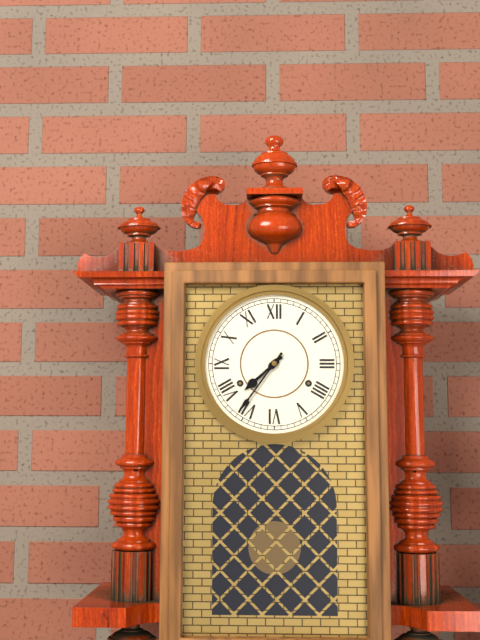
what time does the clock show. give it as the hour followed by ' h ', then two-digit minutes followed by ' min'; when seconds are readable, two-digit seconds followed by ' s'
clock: 7 h 36 min
